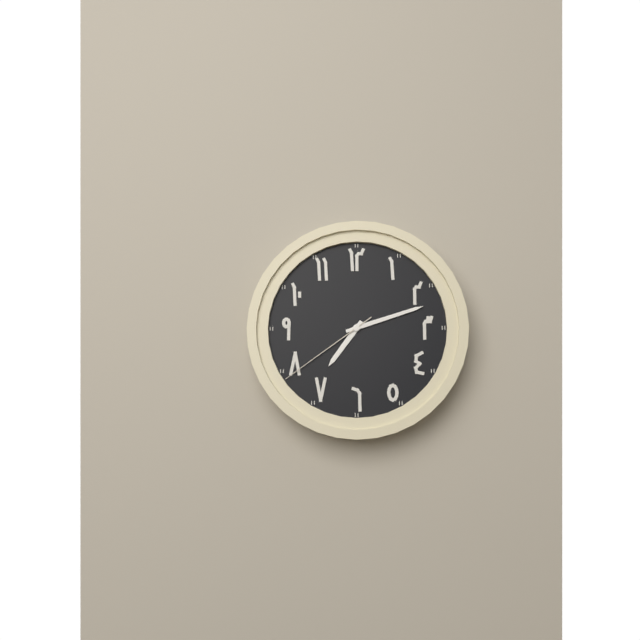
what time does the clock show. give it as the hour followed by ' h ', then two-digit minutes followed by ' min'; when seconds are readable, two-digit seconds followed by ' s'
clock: 7 h 12 min 39 s
